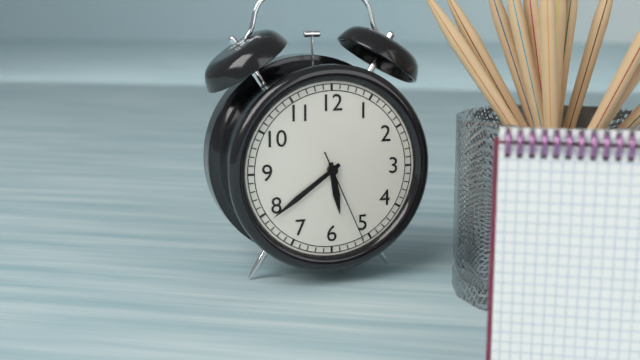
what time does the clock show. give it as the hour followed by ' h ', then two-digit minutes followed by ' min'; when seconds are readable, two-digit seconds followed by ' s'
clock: 5 h 39 min 26 s
